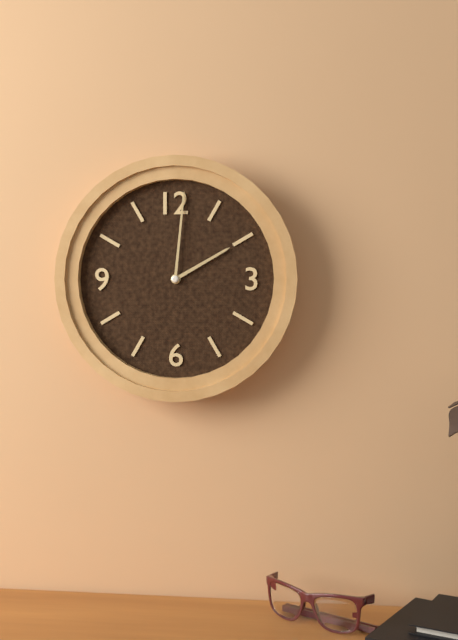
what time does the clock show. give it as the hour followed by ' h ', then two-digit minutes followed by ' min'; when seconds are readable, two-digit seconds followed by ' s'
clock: 2 h 01 min
